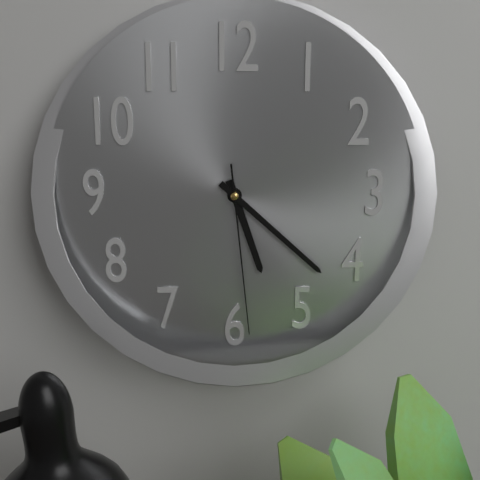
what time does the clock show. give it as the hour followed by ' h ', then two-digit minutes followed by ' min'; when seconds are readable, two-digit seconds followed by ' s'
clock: 5 h 22 min 29 s
